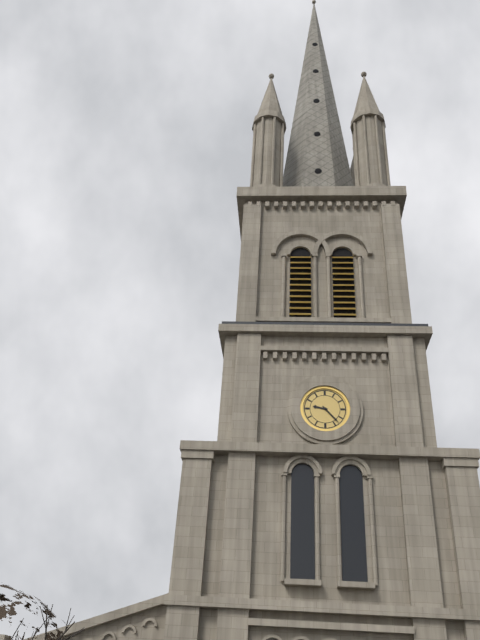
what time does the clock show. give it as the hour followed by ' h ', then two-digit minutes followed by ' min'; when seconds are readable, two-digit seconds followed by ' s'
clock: 9 h 23 min
